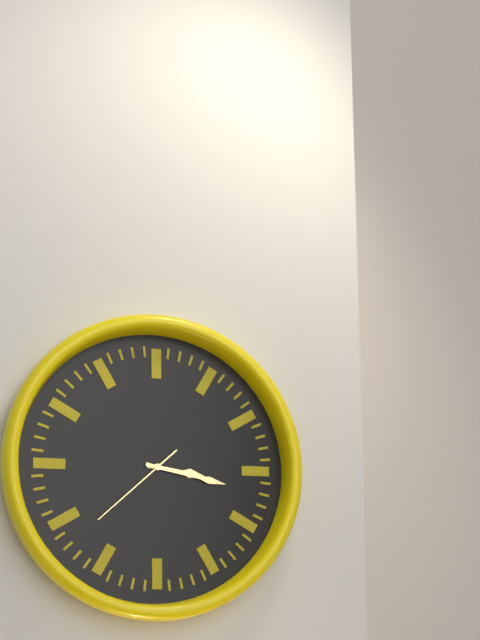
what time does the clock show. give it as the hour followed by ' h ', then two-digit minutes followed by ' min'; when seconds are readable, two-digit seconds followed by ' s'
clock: 3 h 17 min 38 s
